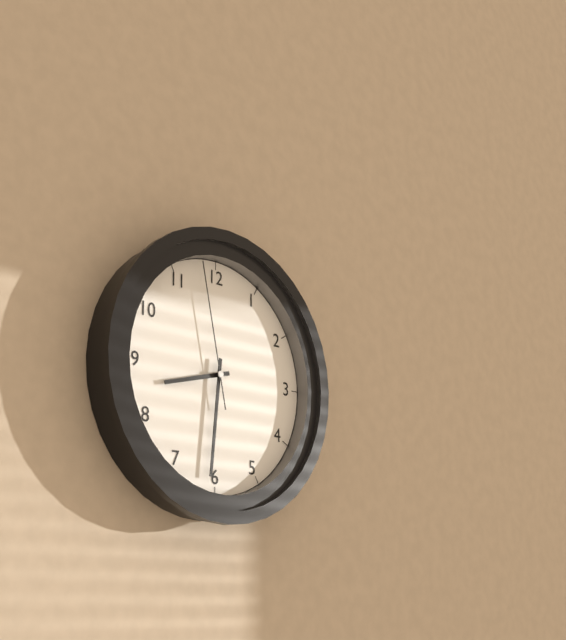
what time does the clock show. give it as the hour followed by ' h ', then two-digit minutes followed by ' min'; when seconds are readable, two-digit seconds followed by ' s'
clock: 8 h 31 min 58 s
